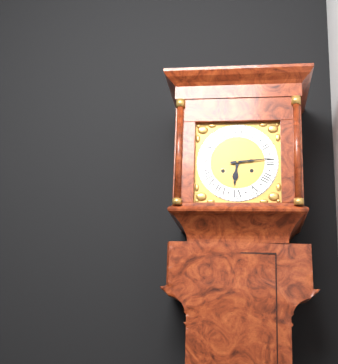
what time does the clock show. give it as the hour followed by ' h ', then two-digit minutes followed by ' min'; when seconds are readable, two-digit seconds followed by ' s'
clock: 6 h 14 min
